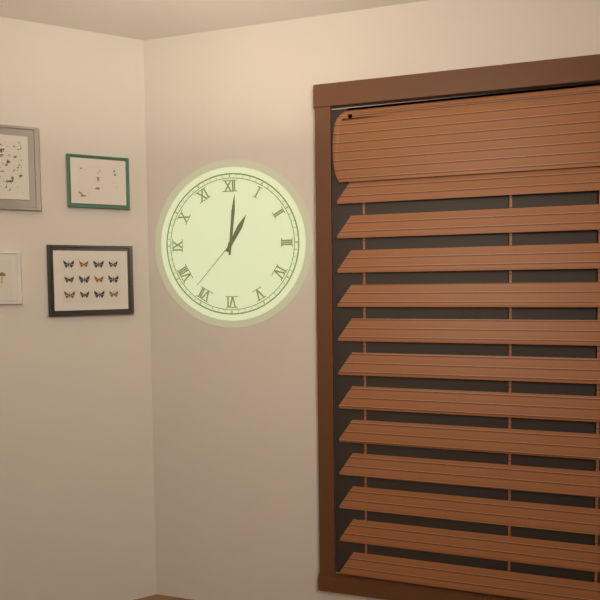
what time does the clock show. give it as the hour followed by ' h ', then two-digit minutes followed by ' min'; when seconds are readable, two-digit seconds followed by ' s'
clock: 1 h 01 min 37 s
